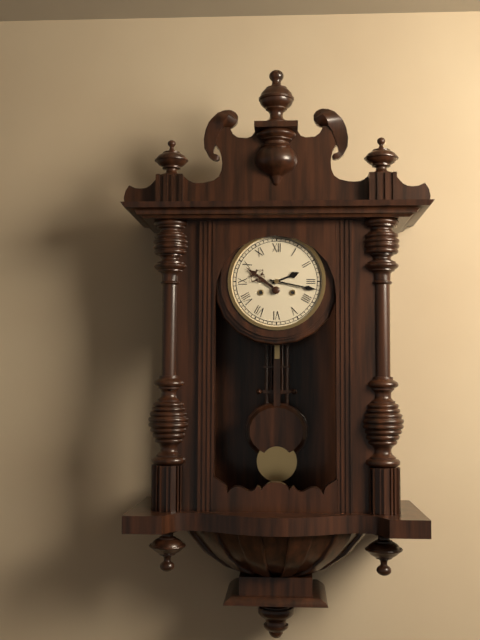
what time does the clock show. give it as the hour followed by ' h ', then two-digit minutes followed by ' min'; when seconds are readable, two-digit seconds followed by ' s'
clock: 2 h 17 min
